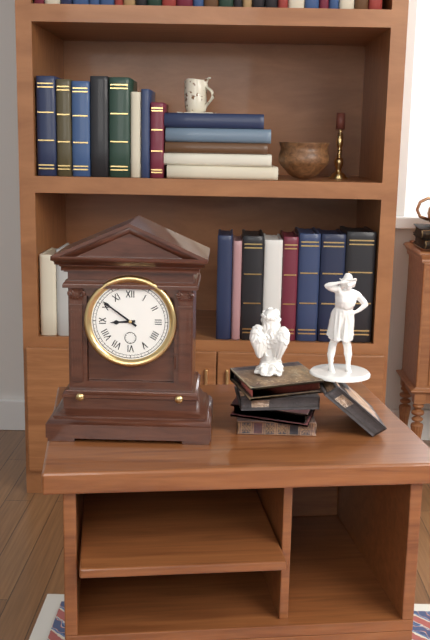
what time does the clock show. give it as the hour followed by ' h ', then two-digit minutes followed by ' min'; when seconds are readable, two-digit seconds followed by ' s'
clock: 8 h 51 min
